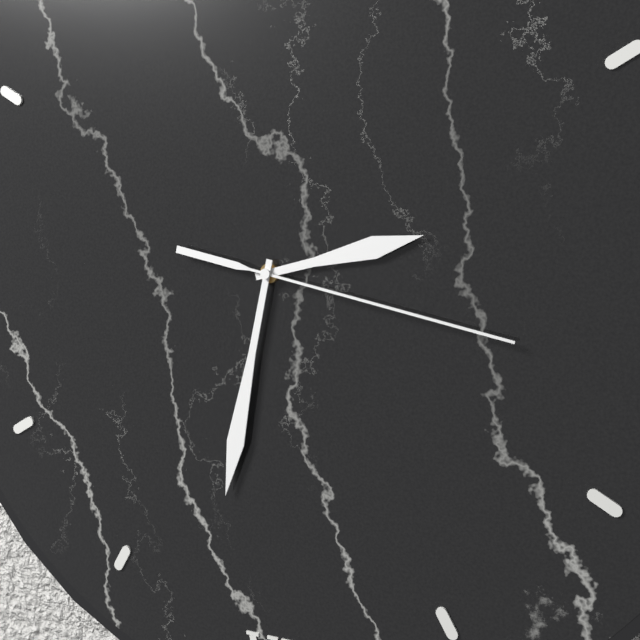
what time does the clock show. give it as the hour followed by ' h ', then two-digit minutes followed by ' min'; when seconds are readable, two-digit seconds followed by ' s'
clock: 2 h 32 min 17 s
